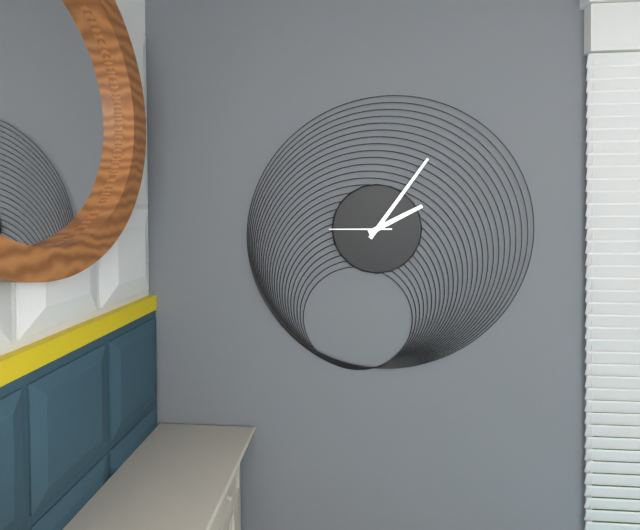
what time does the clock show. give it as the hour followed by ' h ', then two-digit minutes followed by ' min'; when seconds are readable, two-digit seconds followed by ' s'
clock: 2 h 06 min 45 s
